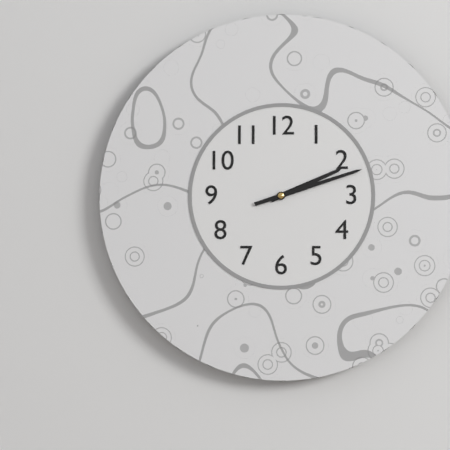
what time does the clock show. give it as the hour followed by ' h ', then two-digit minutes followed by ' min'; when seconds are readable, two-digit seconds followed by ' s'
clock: 2 h 12 min
